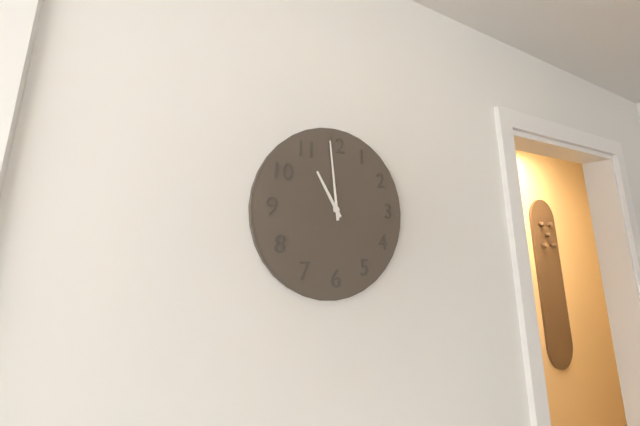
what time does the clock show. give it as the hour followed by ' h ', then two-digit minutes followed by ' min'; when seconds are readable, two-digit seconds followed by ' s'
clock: 10 h 59 min
